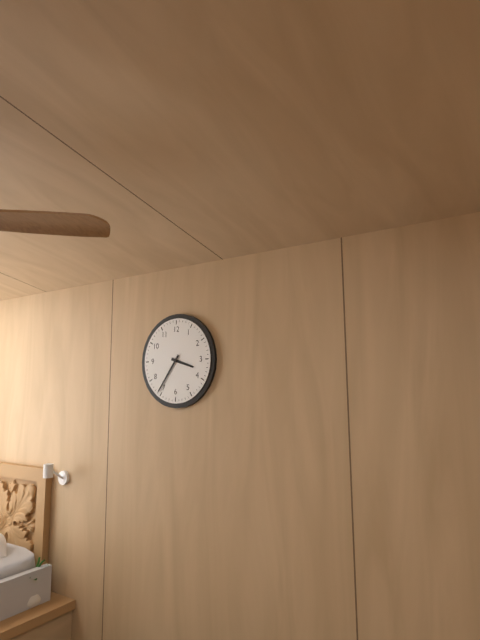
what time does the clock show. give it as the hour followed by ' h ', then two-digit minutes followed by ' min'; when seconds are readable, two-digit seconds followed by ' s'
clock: 3 h 36 min
